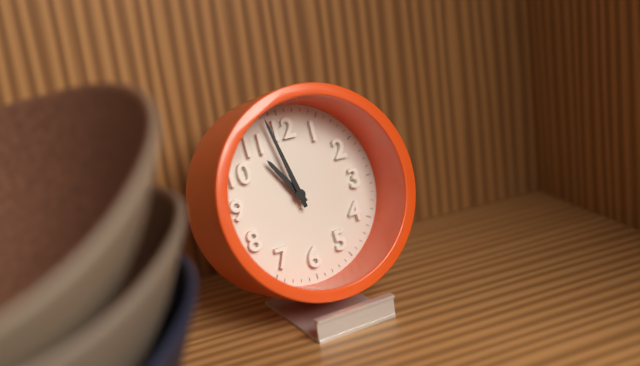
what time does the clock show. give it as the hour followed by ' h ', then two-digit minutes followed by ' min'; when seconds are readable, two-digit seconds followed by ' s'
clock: 10 h 58 min
